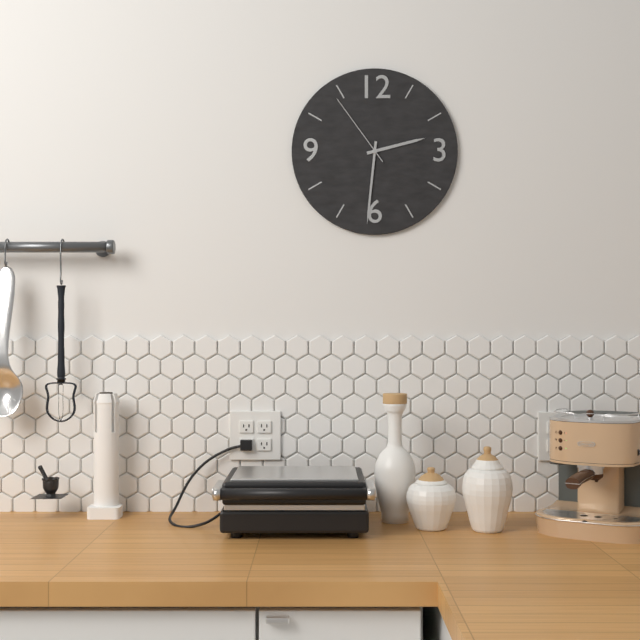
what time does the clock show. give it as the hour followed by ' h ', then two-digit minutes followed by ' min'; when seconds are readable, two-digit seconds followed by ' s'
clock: 2 h 31 min 54 s
